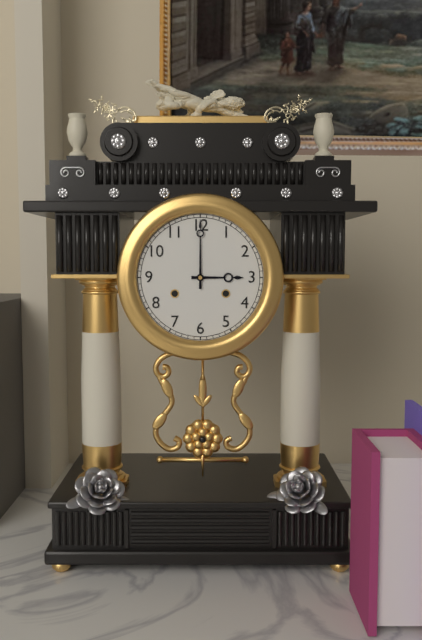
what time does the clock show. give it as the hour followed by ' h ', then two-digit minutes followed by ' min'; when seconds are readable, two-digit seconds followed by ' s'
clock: 3 h 00 min
